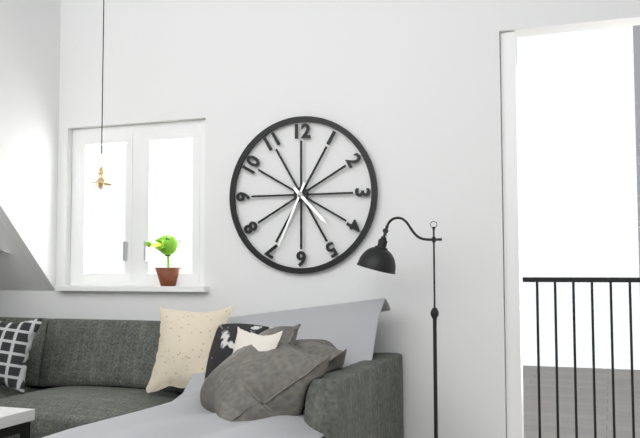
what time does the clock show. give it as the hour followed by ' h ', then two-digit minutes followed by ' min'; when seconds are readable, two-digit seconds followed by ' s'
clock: 4 h 34 min
